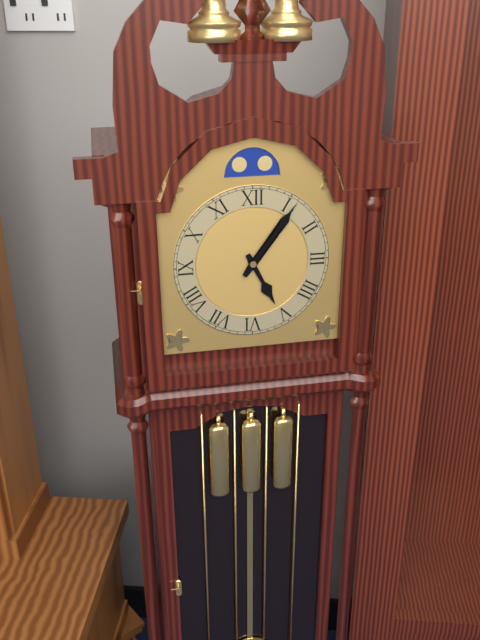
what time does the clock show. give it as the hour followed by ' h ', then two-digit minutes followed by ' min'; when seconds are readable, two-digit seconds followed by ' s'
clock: 5 h 06 min
